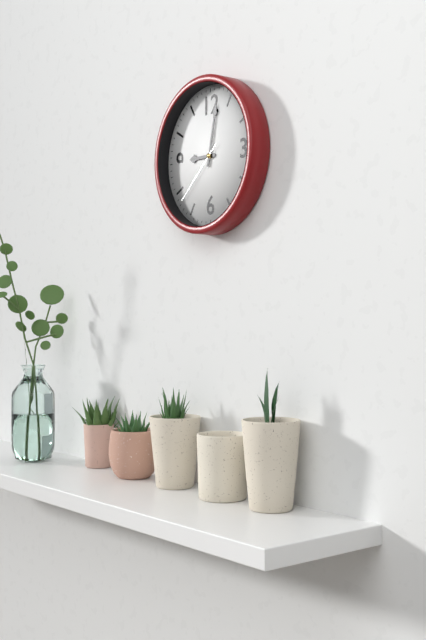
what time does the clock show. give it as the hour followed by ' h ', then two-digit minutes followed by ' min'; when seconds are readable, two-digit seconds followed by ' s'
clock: 9 h 02 min 38 s
